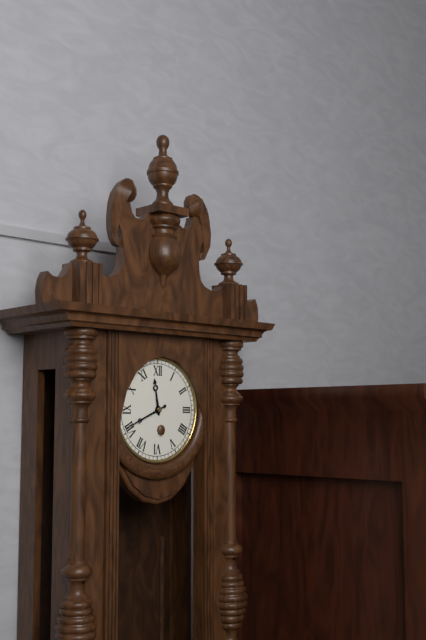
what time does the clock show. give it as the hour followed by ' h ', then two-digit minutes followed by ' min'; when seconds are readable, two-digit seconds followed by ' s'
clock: 11 h 41 min
